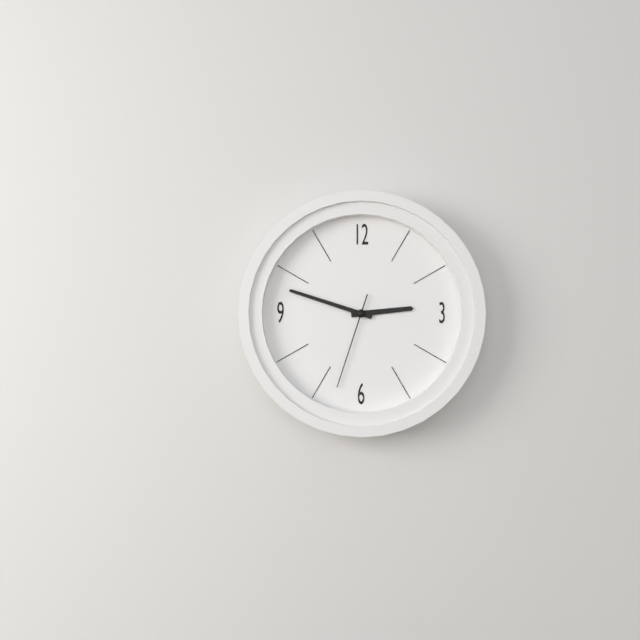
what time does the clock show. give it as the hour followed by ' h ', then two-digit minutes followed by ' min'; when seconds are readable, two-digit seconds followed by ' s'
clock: 2 h 48 min 33 s
